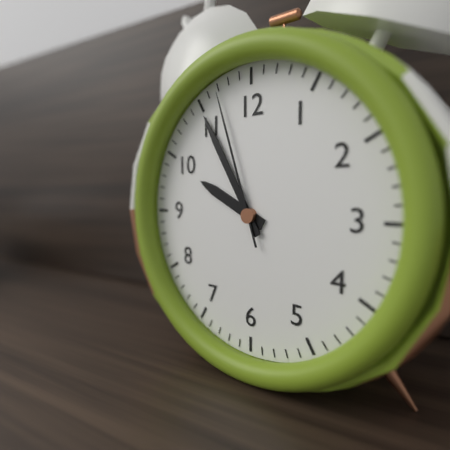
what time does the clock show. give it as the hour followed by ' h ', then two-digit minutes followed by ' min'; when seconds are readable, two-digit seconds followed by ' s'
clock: 9 h 55 min 57 s
